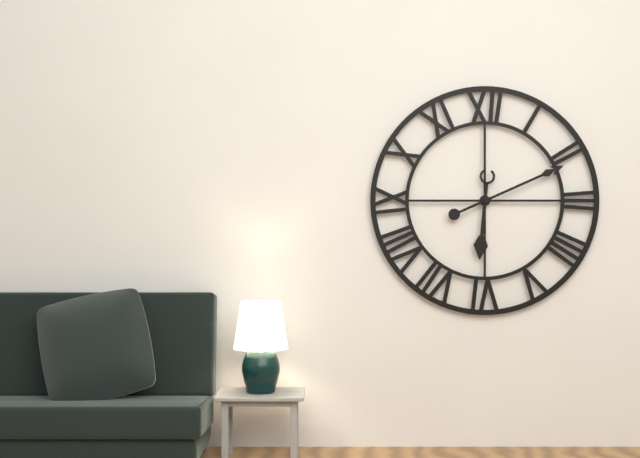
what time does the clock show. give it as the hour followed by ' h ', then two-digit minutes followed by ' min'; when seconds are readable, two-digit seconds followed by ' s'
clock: 6 h 11 min
